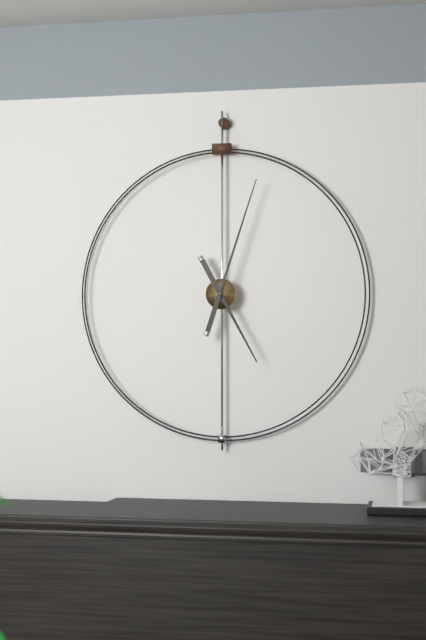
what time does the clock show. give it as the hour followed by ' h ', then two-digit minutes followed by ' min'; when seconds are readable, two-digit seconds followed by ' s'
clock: 5 h 03 min
